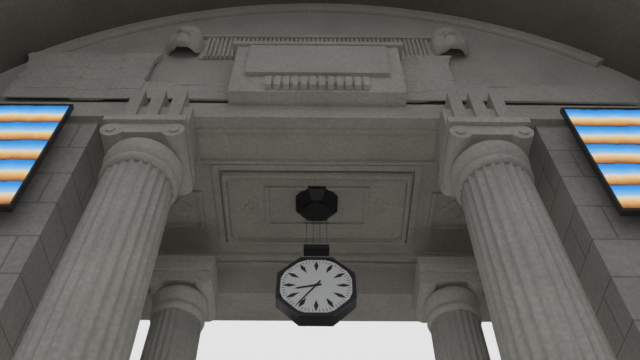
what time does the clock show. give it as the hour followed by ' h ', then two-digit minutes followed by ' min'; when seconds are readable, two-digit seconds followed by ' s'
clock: 8 h 36 min
